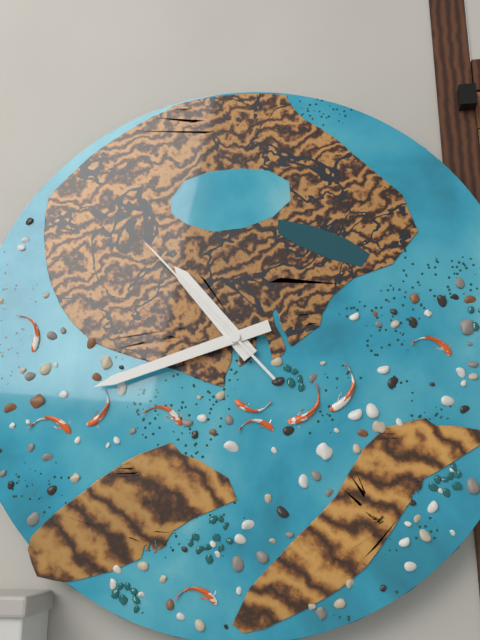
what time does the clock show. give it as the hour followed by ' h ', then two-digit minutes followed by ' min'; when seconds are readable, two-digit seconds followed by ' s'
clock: 10 h 42 min 53 s
